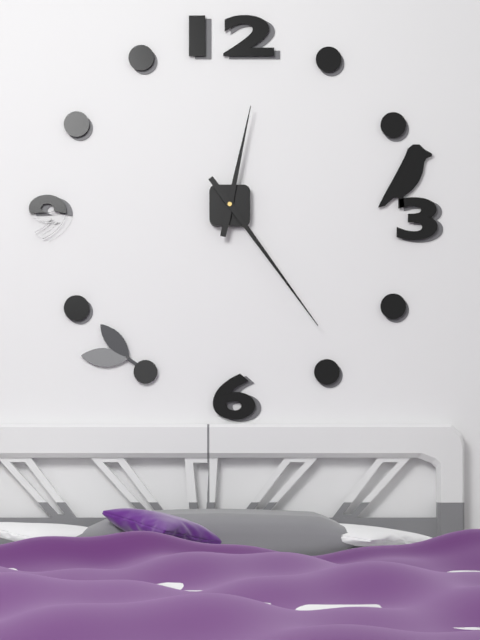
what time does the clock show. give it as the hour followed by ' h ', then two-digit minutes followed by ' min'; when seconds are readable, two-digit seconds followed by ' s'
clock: 12 h 24 min
